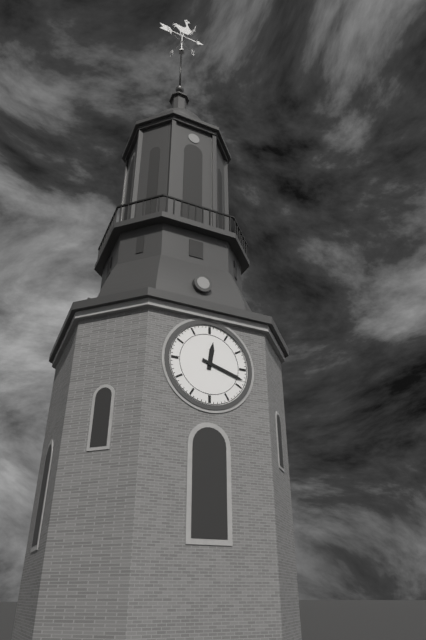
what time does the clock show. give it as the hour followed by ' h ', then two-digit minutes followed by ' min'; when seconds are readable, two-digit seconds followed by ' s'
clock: 12 h 18 min
